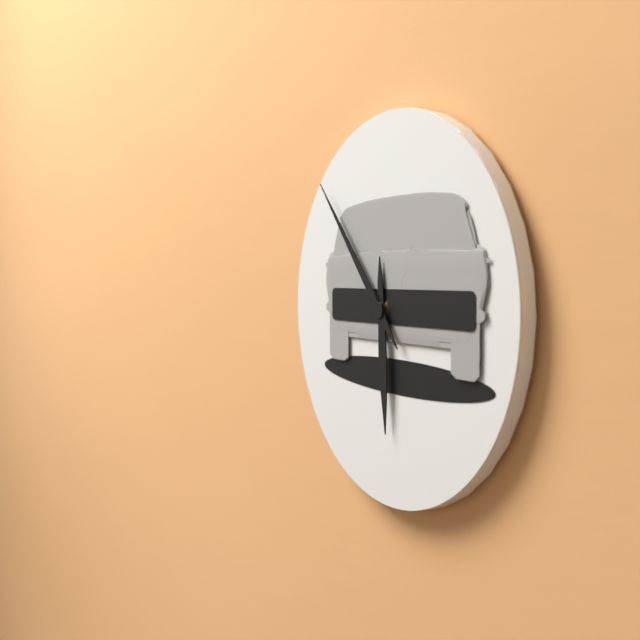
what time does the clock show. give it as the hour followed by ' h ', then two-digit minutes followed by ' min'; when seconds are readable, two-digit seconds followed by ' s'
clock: 5 h 53 min
